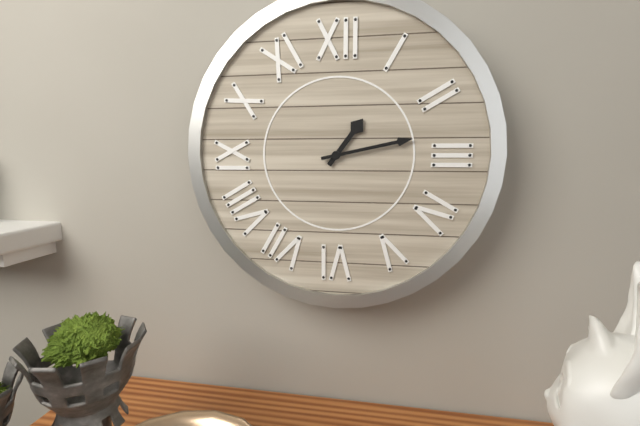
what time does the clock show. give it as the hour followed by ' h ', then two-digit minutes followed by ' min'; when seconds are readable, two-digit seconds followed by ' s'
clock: 1 h 13 min
